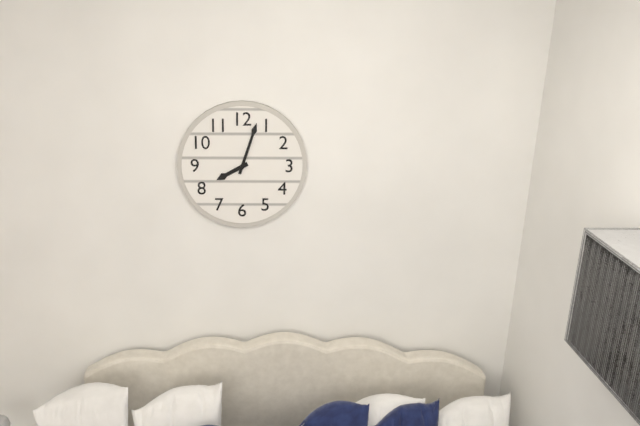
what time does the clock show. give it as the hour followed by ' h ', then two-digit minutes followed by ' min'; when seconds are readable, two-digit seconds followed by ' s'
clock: 8 h 03 min
